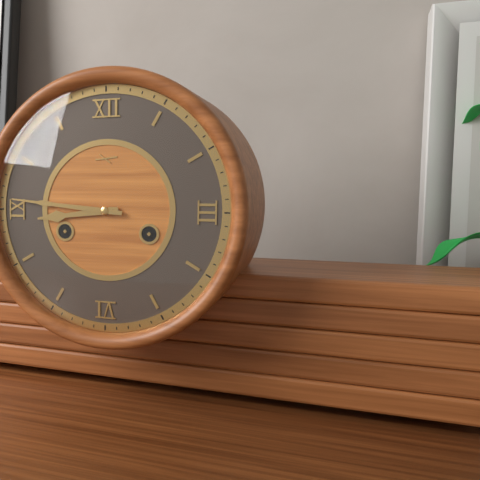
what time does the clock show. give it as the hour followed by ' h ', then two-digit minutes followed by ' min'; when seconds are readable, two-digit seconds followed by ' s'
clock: 8 h 46 min
